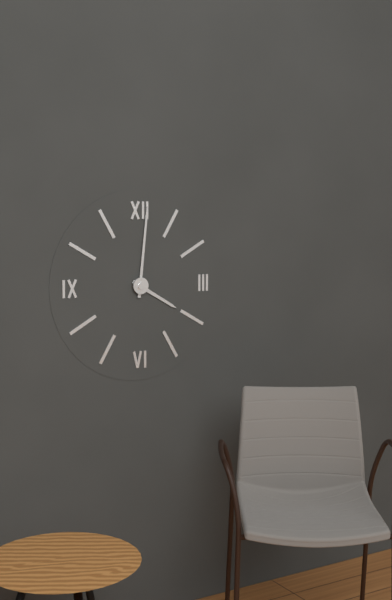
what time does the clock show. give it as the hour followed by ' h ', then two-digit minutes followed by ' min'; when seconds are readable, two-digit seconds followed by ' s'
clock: 4 h 01 min
